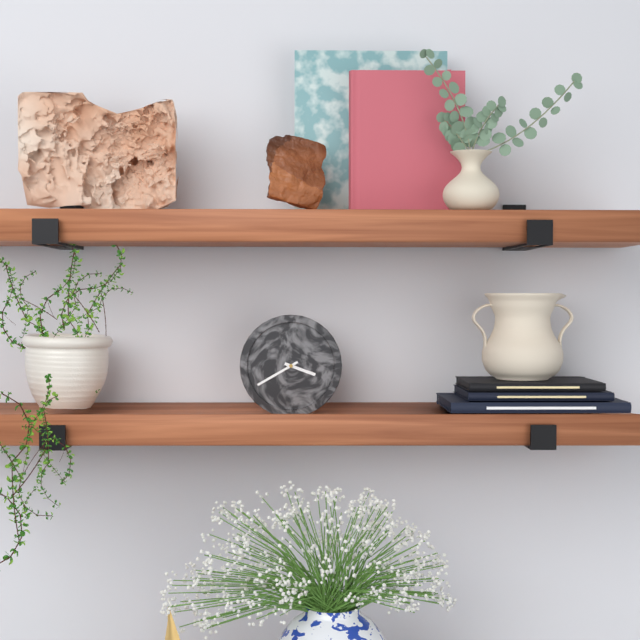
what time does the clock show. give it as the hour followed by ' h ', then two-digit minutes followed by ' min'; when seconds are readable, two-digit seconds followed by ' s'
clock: 3 h 40 min
